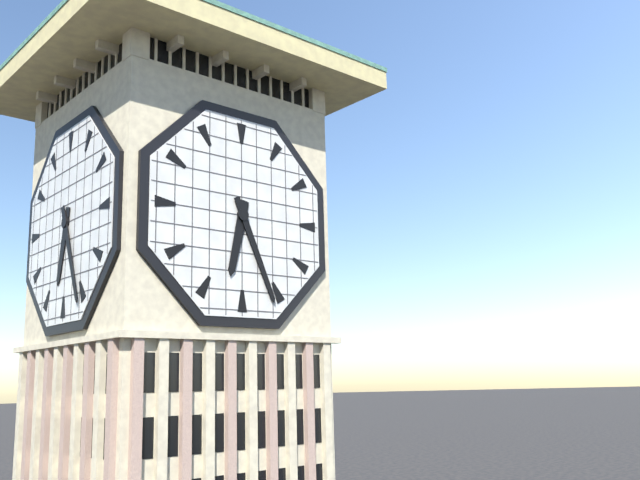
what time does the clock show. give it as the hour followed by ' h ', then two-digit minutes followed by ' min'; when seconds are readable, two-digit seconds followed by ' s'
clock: 6 h 26 min
